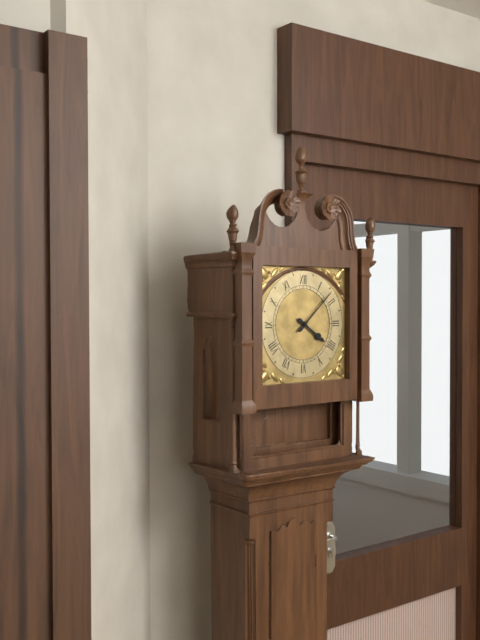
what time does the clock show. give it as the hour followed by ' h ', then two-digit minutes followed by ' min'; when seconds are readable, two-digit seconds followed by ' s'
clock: 4 h 08 min
